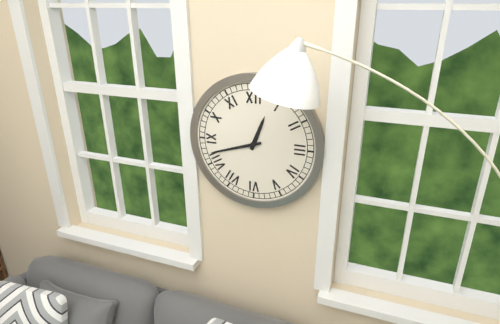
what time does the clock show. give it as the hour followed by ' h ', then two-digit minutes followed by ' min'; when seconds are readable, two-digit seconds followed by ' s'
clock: 12 h 42 min
